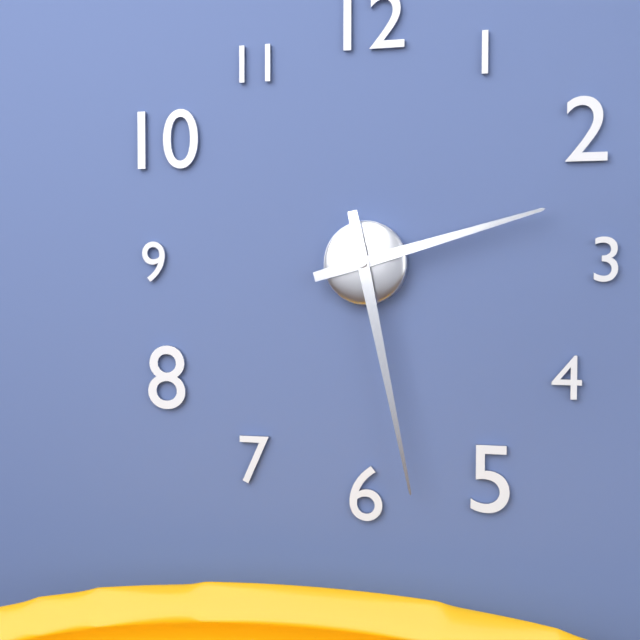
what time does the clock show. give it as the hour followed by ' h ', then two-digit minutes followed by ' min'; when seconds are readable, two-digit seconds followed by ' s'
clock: 2 h 28 min
